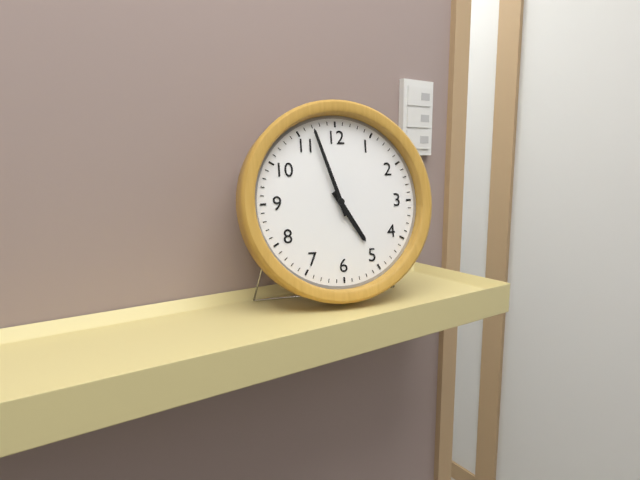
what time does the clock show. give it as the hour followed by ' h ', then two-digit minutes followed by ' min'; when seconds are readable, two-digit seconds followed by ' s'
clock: 4 h 57 min
